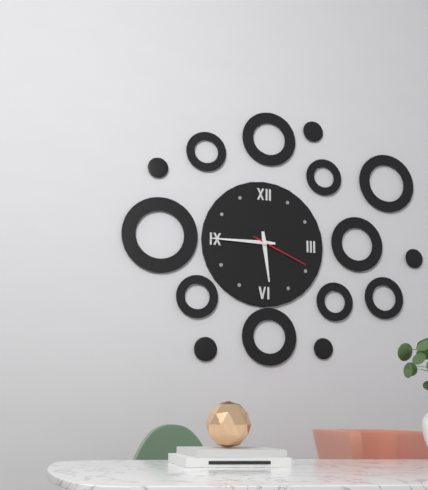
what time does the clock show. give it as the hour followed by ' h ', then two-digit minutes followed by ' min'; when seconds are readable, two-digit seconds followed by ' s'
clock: 5 h 45 min 19 s
